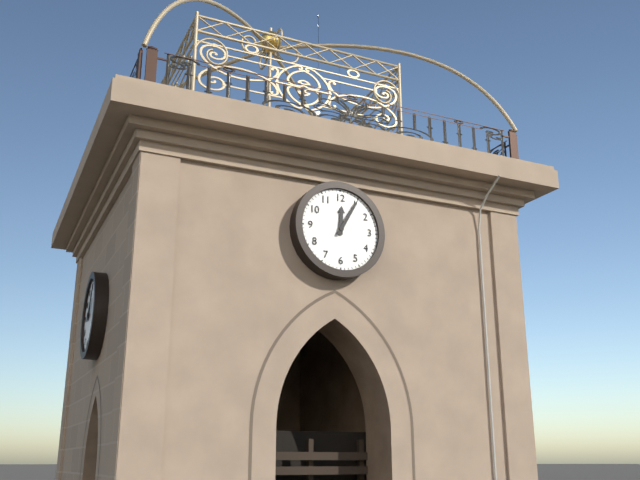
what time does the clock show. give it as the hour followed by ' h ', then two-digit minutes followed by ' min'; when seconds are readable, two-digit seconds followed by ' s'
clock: 12 h 05 min
